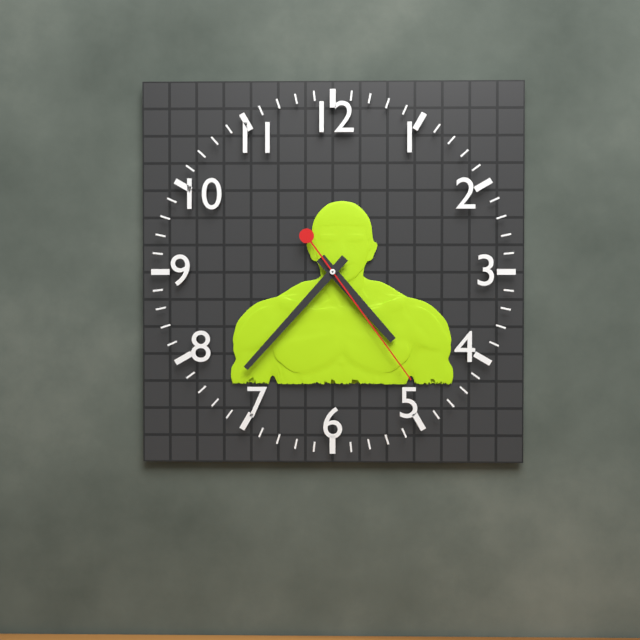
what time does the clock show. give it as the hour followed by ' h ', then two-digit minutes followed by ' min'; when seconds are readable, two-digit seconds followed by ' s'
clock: 4 h 37 min 24 s
